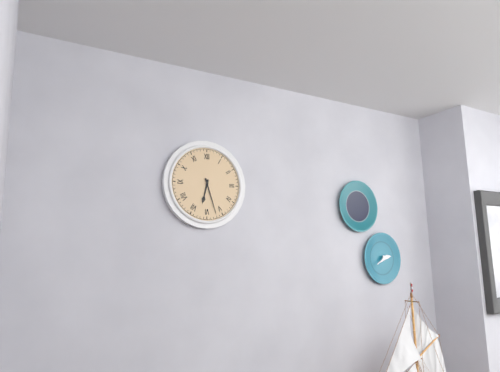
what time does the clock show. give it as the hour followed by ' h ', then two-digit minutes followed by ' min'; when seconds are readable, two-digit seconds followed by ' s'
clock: 6 h 27 min
